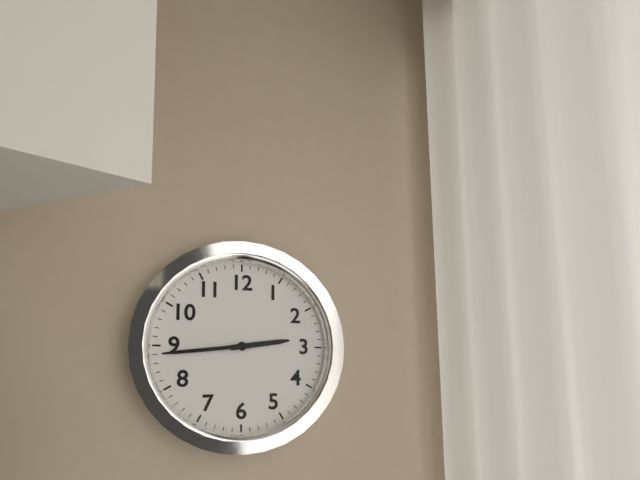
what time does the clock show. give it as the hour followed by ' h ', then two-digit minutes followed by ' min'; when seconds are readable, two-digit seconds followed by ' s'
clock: 2 h 44 min
